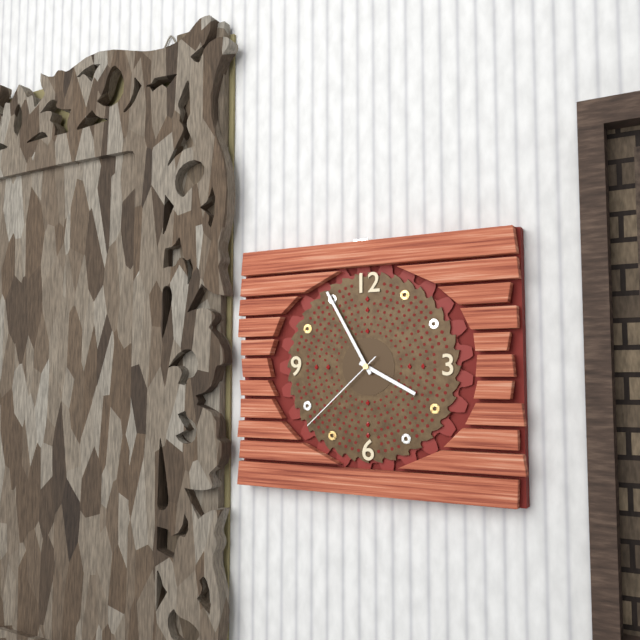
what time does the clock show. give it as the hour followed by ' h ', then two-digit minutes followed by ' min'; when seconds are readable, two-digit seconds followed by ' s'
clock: 3 h 55 min 38 s
